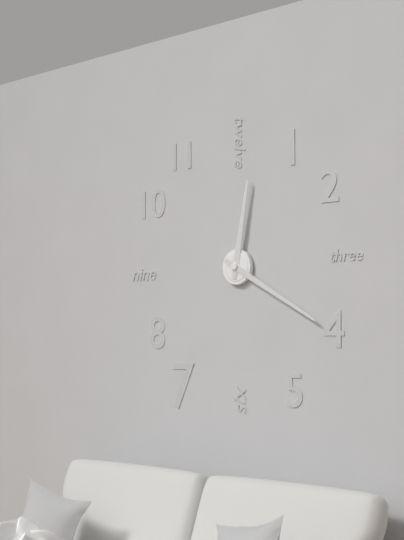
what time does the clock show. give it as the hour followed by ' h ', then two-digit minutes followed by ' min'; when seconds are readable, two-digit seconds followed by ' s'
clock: 12 h 20 min
